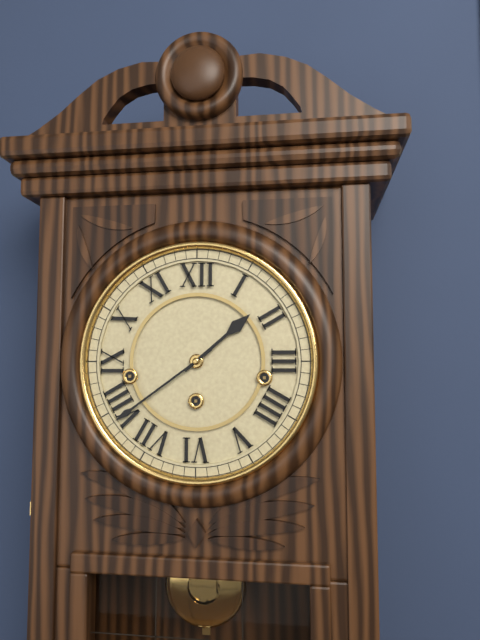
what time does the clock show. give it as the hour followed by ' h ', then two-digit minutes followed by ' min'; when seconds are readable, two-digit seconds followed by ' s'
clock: 1 h 39 min
